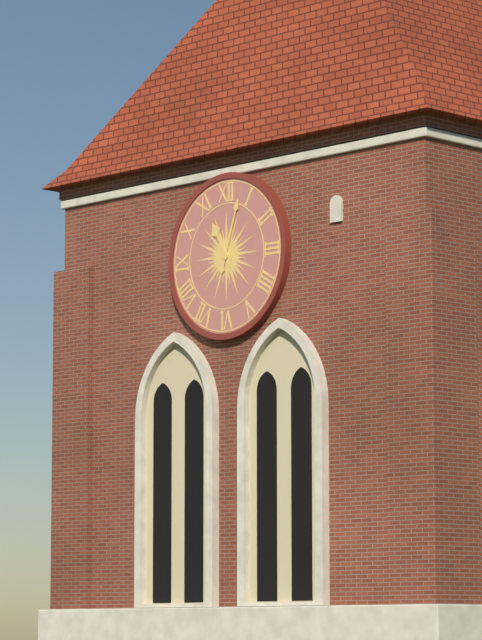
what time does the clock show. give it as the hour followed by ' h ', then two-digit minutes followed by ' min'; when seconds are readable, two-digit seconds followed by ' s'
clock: 11 h 03 min
